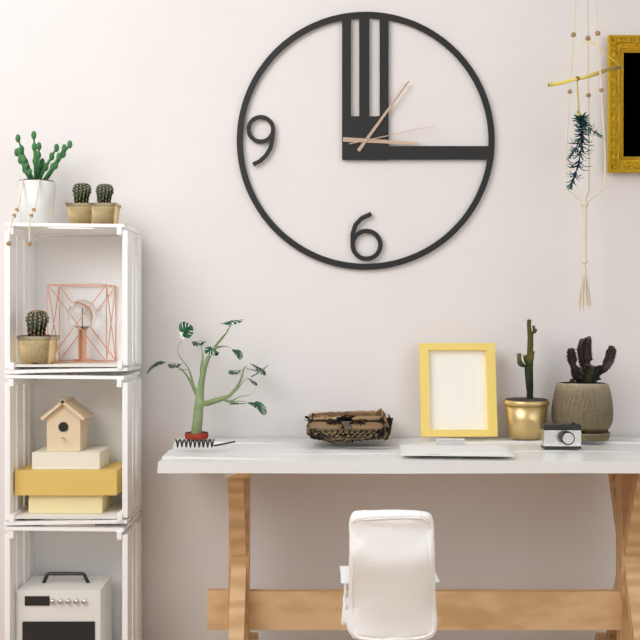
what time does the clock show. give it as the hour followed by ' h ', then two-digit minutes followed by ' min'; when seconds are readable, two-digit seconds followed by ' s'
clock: 3 h 06 min 13 s
